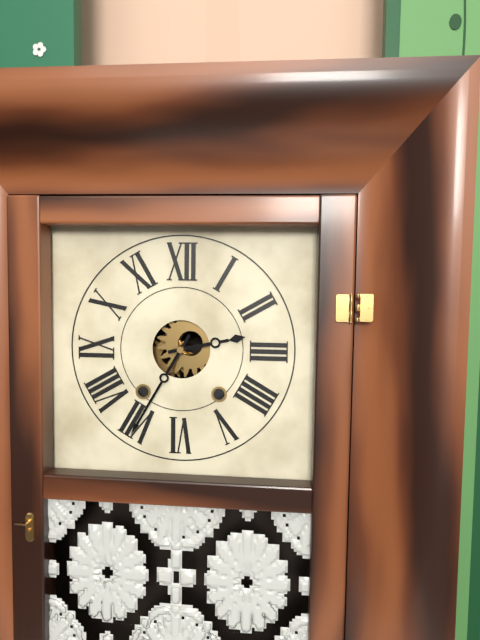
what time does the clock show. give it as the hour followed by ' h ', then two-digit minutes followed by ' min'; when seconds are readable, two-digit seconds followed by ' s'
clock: 2 h 35 min
